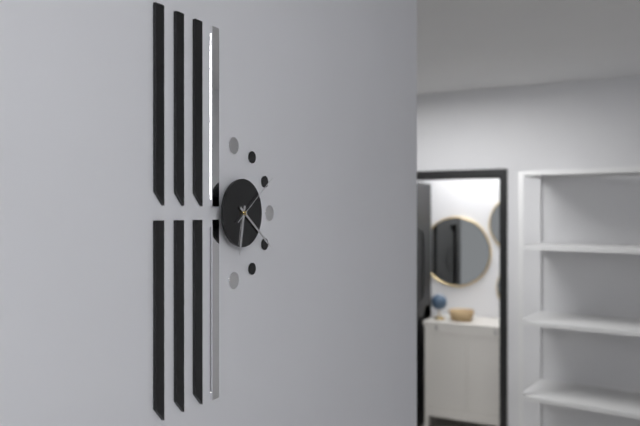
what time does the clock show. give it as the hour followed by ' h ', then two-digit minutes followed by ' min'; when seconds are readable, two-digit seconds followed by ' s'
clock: 6 h 21 min 09 s
